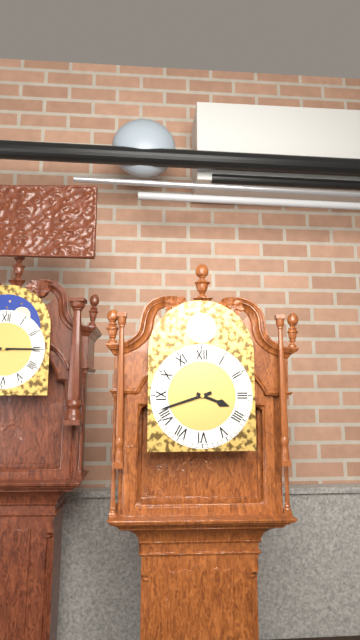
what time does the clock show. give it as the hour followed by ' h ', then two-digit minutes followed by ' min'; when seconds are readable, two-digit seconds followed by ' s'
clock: 3 h 42 min
